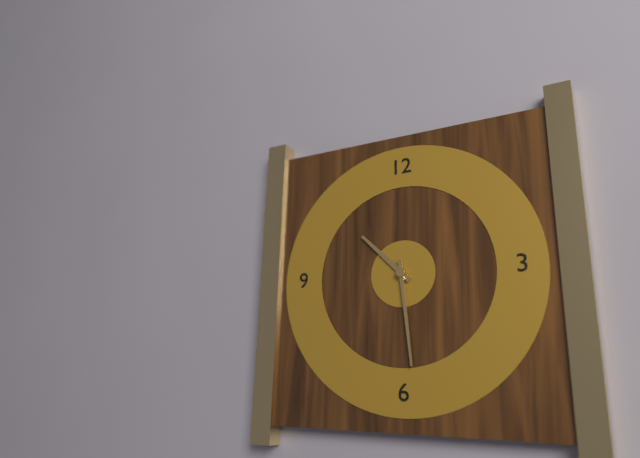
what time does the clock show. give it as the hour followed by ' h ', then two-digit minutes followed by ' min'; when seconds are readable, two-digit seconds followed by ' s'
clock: 10 h 29 min
